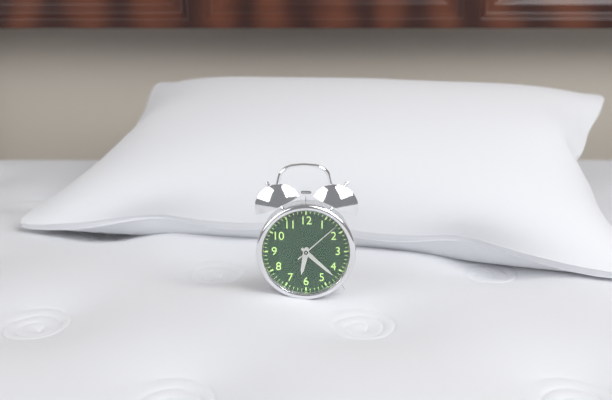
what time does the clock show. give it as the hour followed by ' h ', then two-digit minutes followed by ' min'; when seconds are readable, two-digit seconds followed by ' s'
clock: 6 h 22 min
